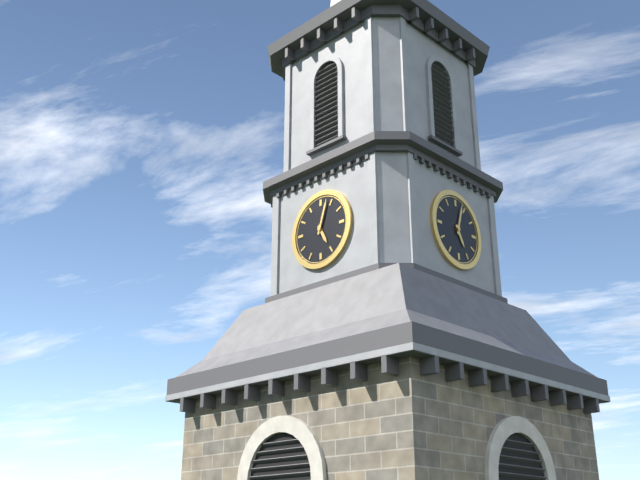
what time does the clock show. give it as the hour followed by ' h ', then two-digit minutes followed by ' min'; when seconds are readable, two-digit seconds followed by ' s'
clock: 5 h 03 min
